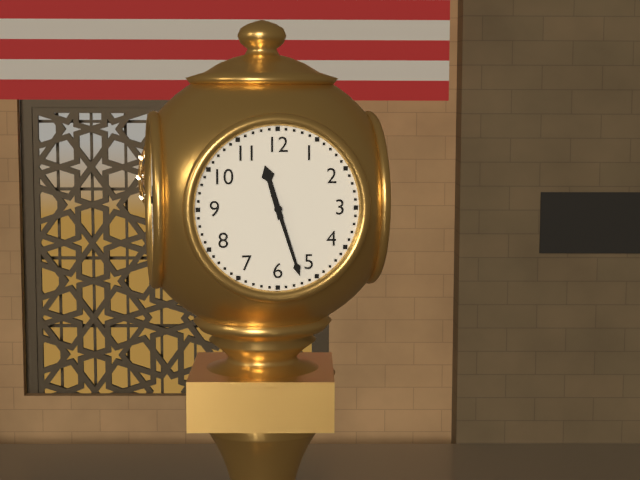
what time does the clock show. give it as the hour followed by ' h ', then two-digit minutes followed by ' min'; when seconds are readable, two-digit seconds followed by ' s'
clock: 11 h 27 min
